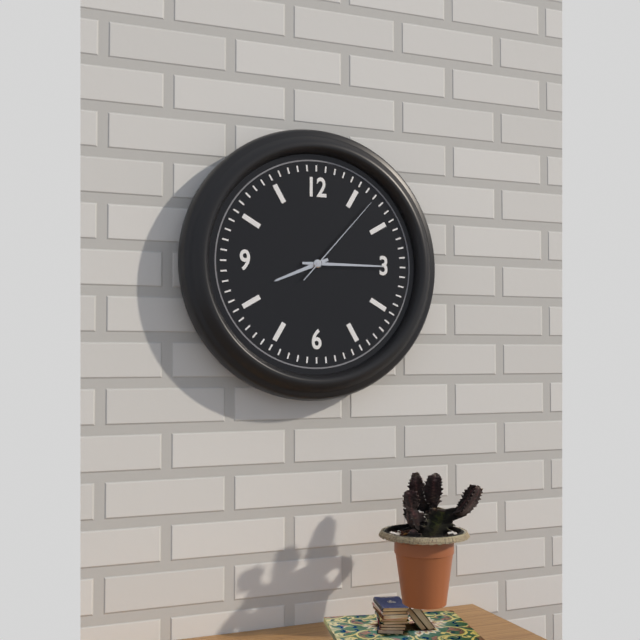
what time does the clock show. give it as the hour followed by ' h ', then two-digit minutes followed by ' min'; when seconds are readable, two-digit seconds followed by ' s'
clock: 8 h 15 min 07 s
